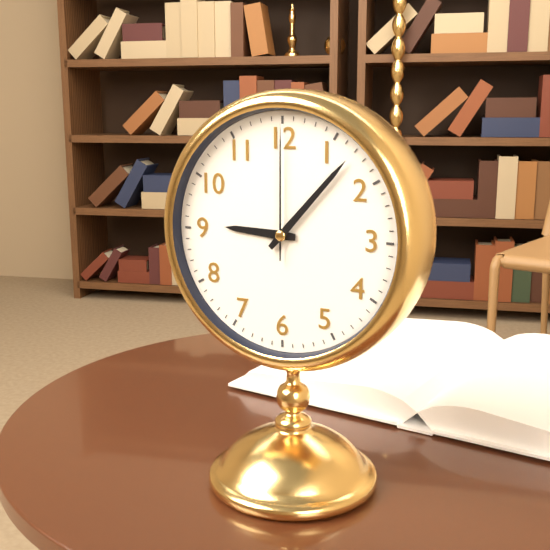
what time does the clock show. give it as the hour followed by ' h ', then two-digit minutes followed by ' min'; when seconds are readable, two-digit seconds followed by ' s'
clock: 9 h 07 min 00 s
